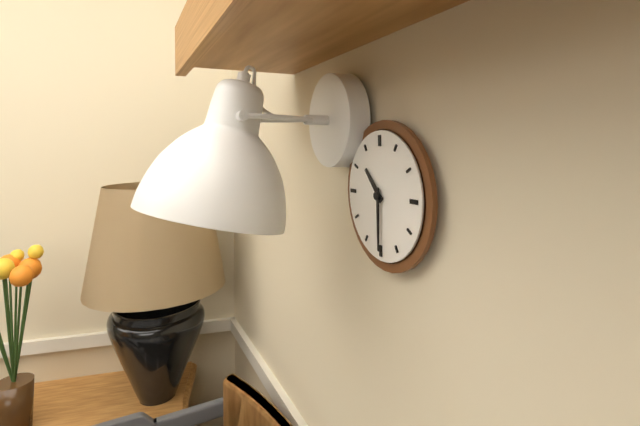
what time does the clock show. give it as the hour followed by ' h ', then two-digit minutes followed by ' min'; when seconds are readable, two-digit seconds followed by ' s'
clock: 10 h 30 min
